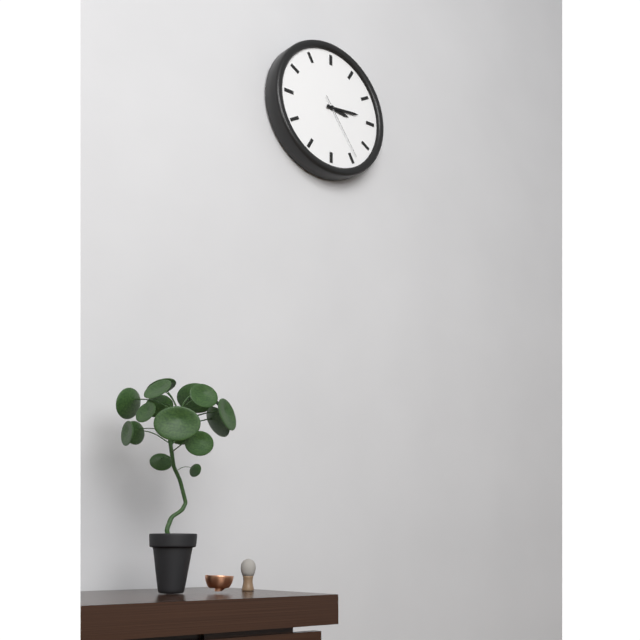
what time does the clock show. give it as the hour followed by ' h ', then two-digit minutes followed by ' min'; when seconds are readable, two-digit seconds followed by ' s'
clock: 3 h 14 min 24 s
